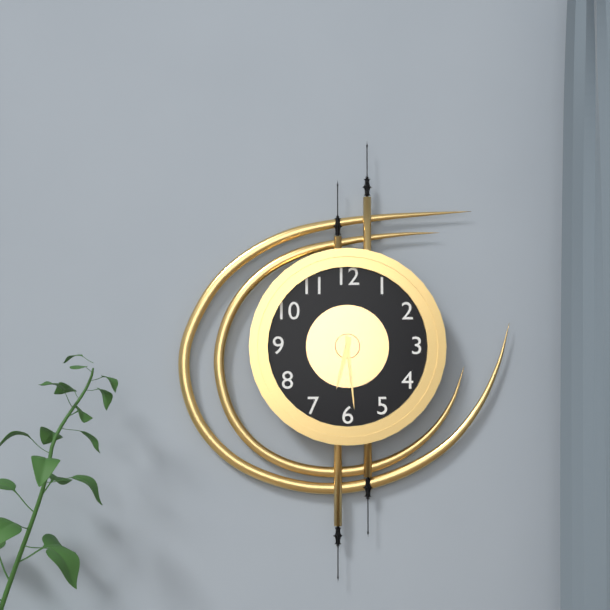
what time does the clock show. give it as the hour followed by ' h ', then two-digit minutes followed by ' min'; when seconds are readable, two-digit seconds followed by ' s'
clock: 6 h 29 min
